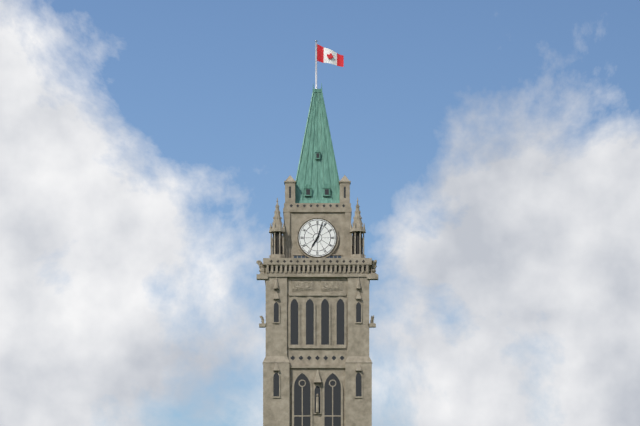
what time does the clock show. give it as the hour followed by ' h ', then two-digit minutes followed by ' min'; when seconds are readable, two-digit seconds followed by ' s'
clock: 7 h 03 min
